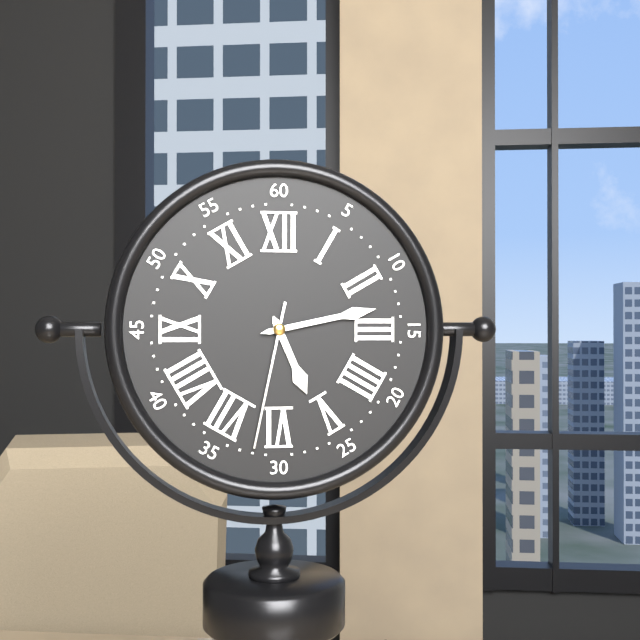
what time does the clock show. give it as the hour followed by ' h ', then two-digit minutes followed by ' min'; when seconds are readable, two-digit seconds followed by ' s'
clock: 5 h 13 min 32 s
